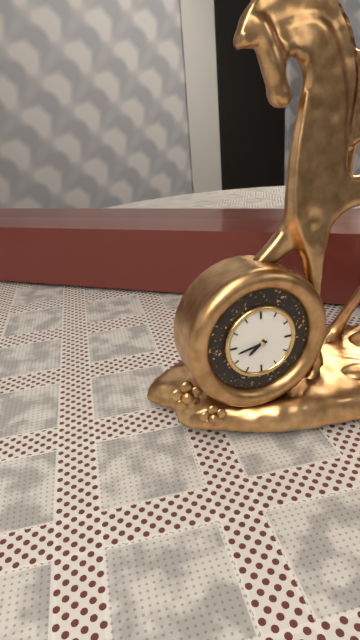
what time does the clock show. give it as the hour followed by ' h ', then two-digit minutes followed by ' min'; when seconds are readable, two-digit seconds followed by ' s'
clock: 7 h 43 min
